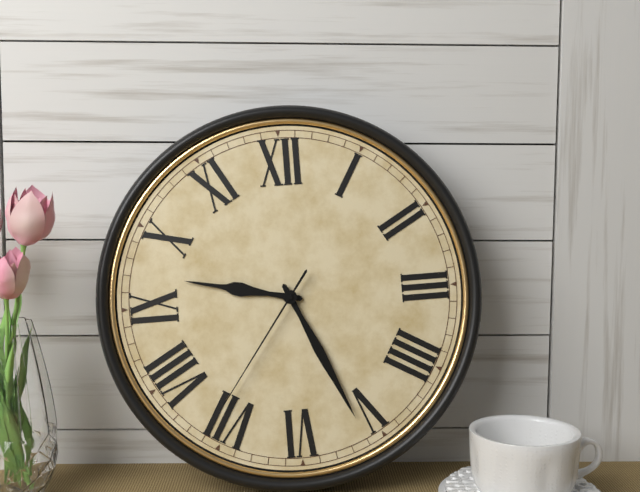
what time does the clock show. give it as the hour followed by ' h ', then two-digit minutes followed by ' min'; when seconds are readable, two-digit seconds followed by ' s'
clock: 9 h 26 min 36 s
